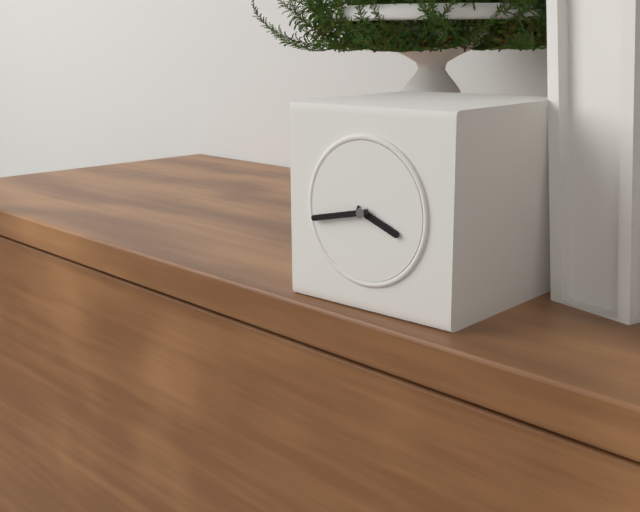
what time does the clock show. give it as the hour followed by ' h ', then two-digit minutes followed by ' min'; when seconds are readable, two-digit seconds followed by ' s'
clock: 3 h 43 min
